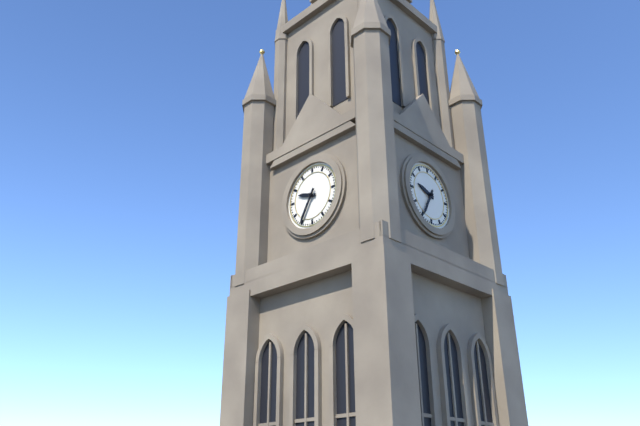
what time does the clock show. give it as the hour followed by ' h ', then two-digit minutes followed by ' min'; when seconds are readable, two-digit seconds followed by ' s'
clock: 9 h 35 min
